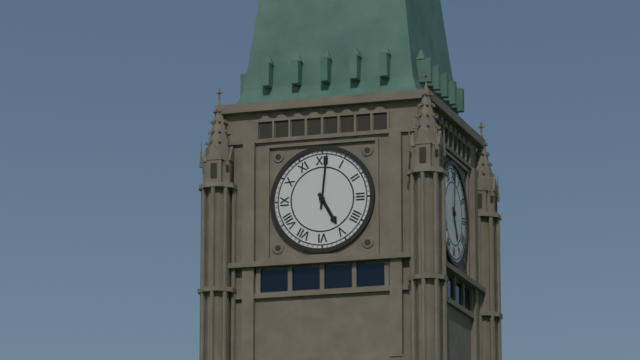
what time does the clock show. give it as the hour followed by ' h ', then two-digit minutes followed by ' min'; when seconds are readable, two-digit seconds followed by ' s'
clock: 5 h 01 min
